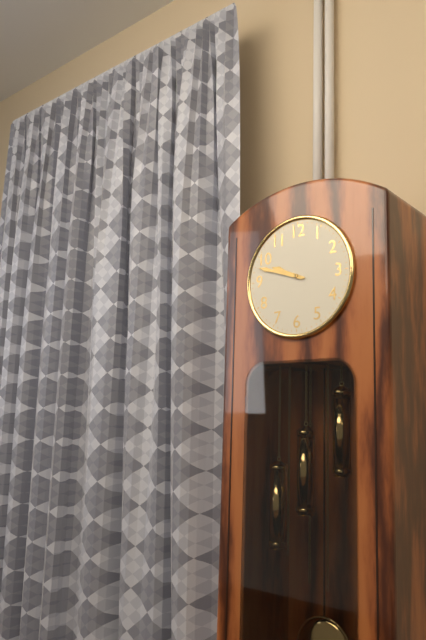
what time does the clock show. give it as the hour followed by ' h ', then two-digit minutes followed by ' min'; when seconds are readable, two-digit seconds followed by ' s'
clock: 9 h 48 min
